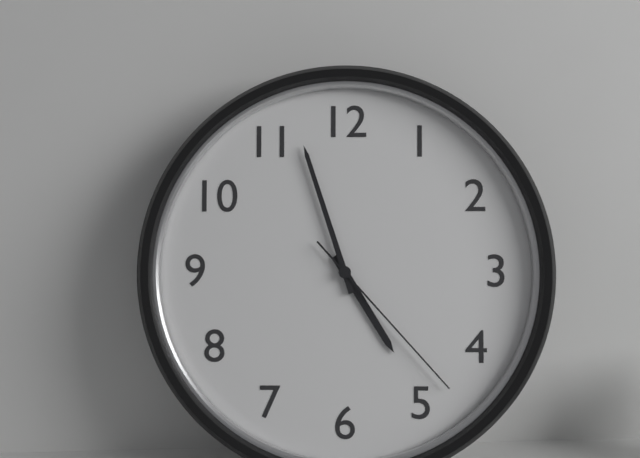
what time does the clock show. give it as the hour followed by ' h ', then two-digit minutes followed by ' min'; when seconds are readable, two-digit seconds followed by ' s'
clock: 4 h 57 min 23 s
